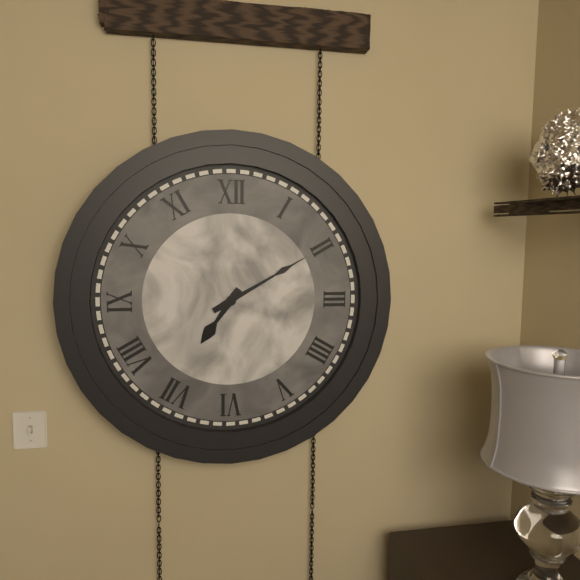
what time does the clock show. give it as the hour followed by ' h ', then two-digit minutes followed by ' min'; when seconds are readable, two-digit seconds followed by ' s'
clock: 7 h 10 min
